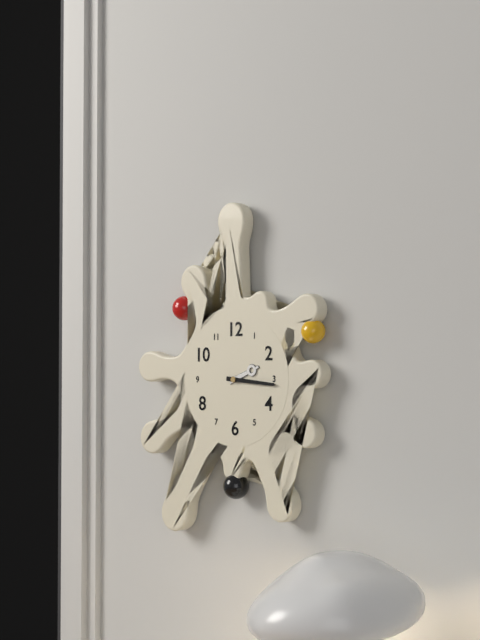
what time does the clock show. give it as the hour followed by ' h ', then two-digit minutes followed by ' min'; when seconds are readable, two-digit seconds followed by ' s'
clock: 2 h 16 min
